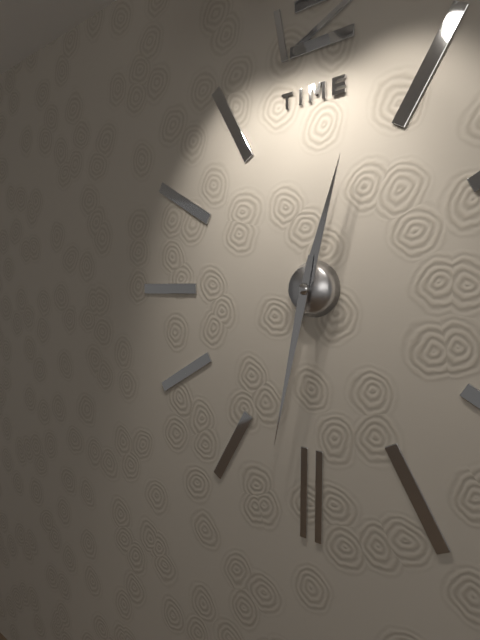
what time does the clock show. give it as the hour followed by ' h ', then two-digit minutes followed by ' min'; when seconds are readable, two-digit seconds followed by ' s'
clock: 12 h 32 min
